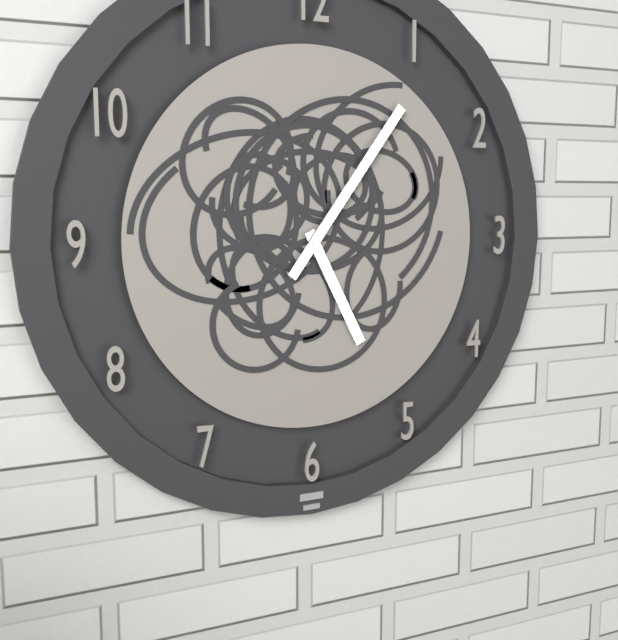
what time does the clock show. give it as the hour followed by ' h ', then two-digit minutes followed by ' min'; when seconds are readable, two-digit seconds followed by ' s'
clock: 5 h 06 min
